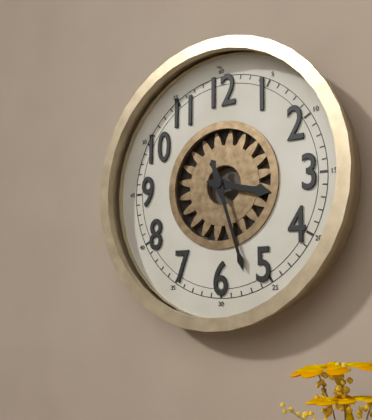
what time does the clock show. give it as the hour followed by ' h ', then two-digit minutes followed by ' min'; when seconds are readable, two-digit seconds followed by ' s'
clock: 3 h 27 min
